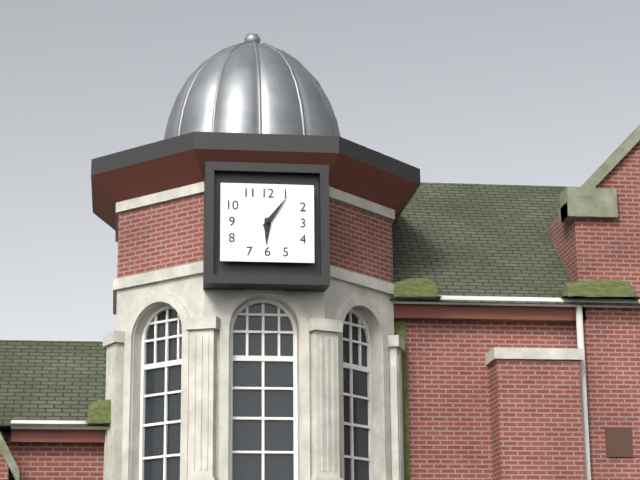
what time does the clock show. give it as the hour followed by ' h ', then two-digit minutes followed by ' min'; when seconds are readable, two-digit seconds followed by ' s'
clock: 6 h 06 min
